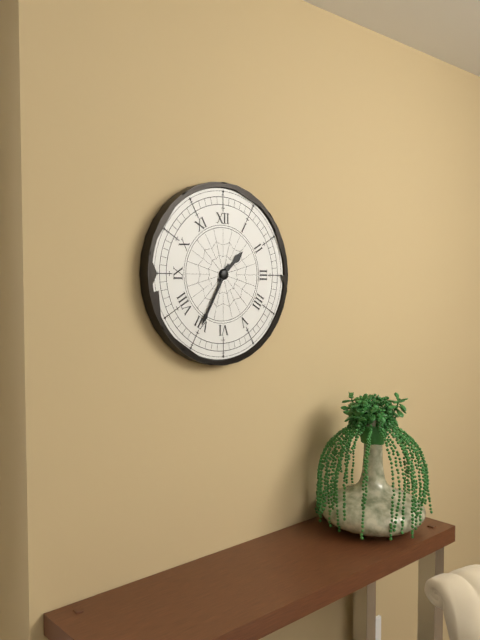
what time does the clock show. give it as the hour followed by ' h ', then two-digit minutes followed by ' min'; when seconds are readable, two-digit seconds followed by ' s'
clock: 1 h 35 min
